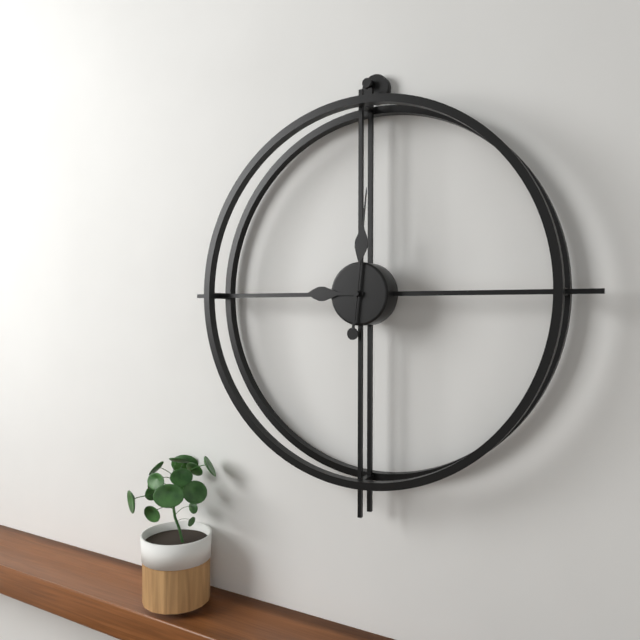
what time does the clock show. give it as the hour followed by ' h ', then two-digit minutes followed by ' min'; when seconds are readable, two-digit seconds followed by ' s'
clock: 9 h 01 min
